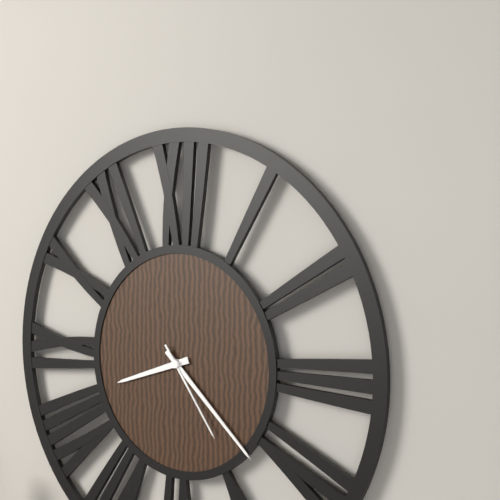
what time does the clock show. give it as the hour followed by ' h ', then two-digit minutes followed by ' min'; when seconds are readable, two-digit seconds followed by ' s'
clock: 8 h 22 min 24 s
